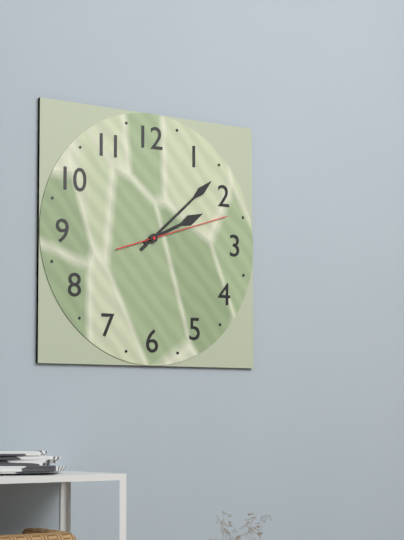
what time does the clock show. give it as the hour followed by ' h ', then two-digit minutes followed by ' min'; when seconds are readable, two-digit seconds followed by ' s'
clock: 2 h 08 min 12 s
